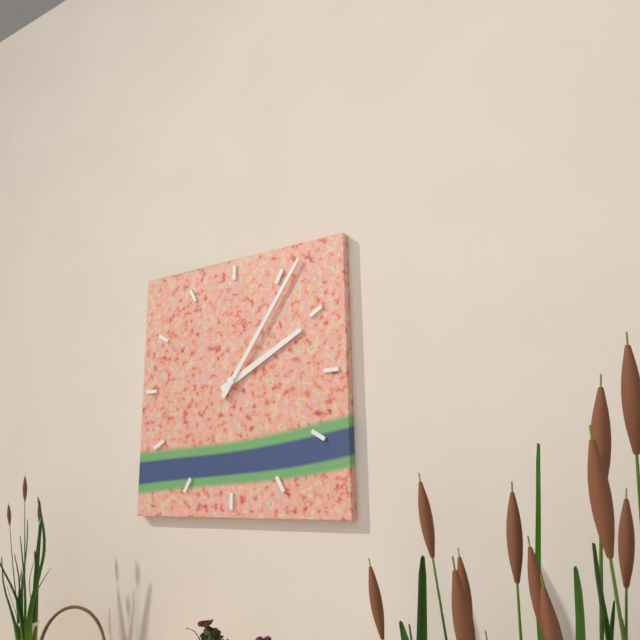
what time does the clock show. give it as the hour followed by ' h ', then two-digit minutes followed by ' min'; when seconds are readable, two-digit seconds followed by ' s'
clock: 2 h 06 min
